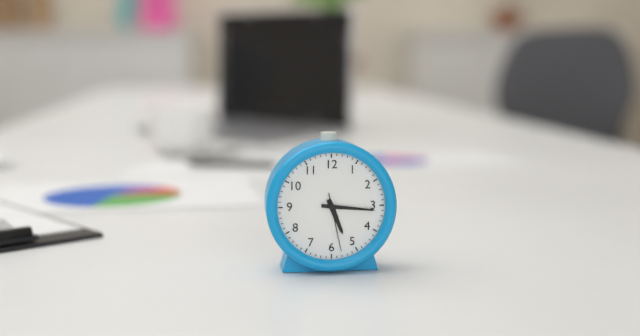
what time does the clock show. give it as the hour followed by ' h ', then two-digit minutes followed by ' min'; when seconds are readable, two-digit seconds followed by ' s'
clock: 5 h 16 min 28 s
